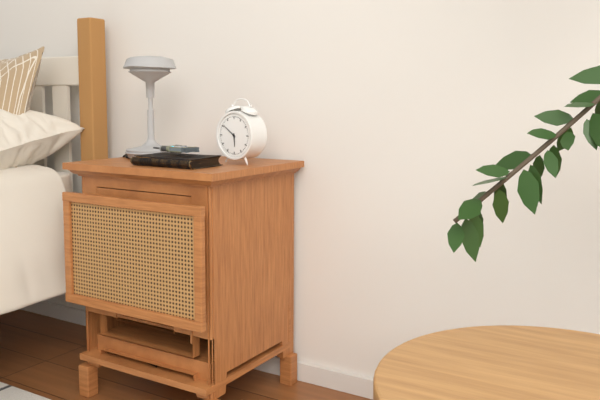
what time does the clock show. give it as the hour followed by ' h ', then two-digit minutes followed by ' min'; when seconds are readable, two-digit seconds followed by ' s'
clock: 5 h 51 min
